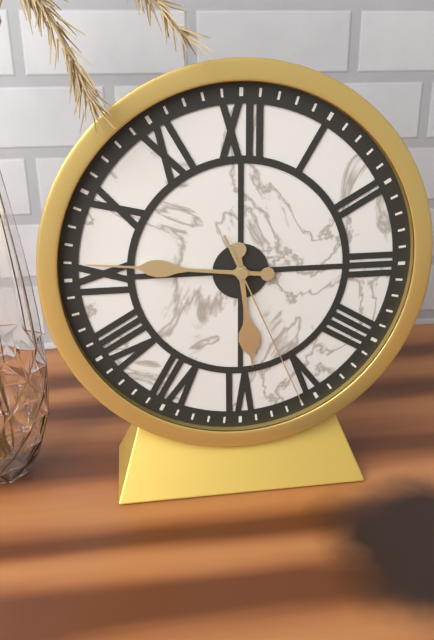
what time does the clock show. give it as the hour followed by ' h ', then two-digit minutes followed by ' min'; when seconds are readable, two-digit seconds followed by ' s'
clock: 5 h 46 min 26 s
